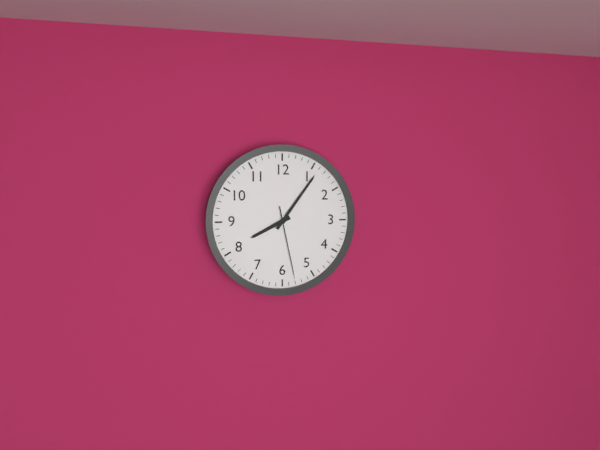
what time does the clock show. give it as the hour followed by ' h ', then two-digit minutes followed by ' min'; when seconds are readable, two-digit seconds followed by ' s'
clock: 8 h 06 min 28 s
